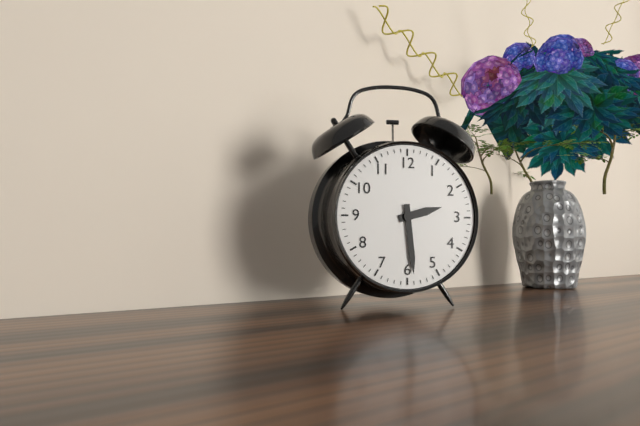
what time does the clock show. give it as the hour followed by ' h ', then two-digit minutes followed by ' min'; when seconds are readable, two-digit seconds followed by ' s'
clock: 2 h 29 min
